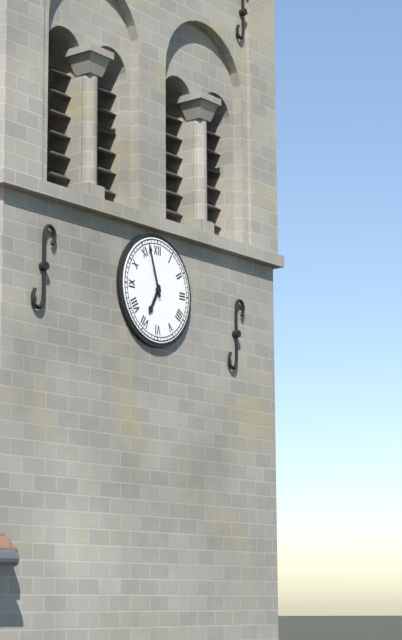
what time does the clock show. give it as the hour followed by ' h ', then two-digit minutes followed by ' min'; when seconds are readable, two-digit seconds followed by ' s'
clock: 6 h 57 min
